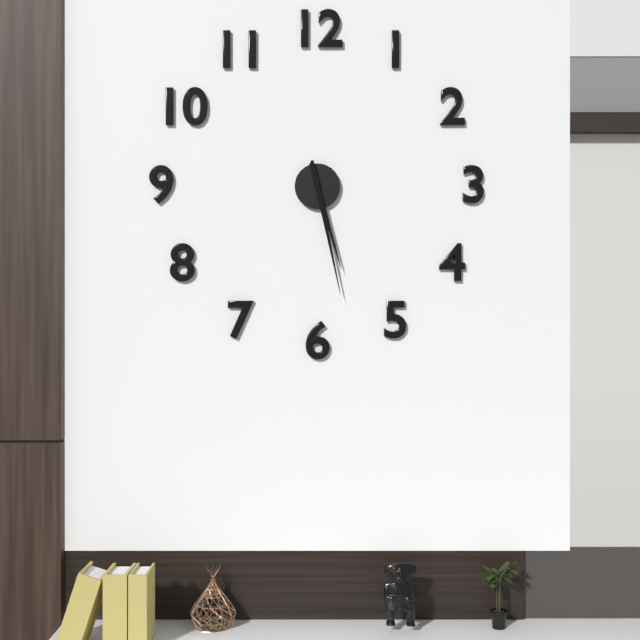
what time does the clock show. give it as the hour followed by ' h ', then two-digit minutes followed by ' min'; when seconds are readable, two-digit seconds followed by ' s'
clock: 5 h 28 min
